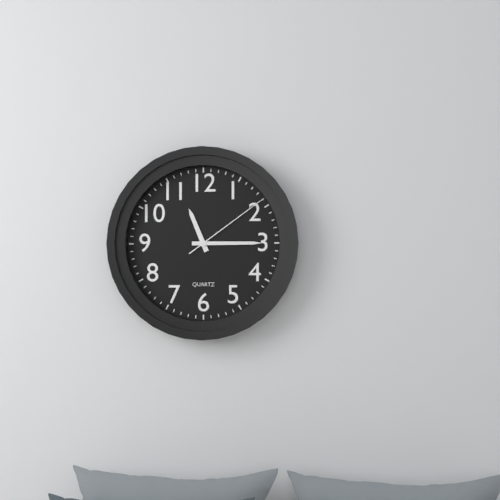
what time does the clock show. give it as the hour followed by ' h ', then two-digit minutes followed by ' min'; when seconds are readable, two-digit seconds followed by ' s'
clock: 11 h 15 min 09 s
